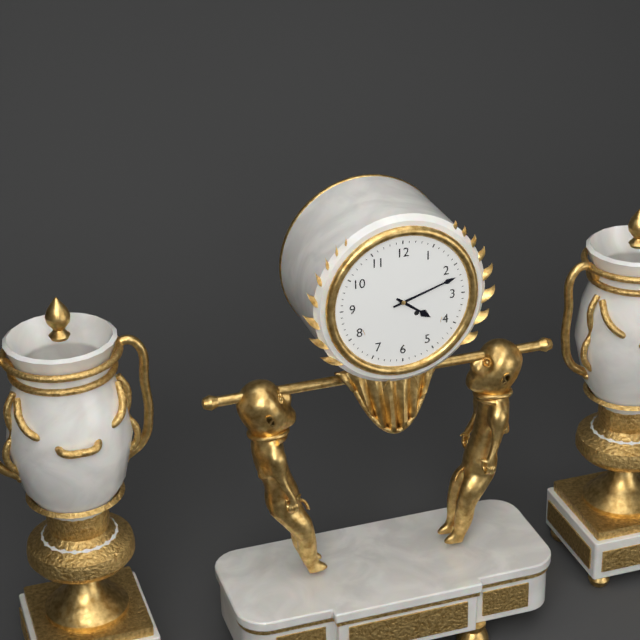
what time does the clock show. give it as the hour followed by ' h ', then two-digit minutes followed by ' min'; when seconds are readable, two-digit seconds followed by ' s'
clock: 4 h 12 min
